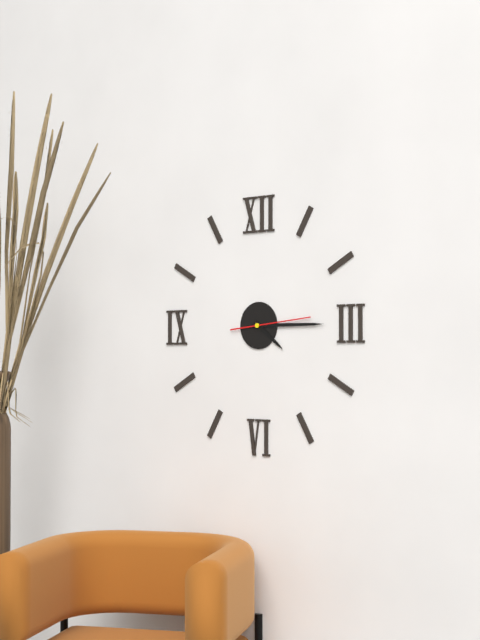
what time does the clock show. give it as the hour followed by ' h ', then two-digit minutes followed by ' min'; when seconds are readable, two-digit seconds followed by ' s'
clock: 4 h 15 min 14 s
